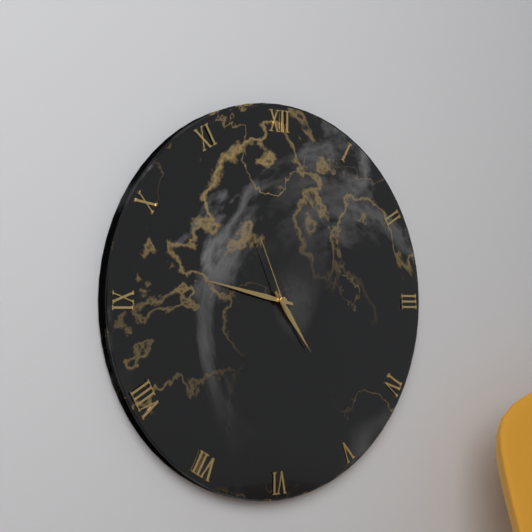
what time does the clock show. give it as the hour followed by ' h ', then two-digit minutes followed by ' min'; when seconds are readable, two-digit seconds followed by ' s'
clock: 4 h 47 min 56 s
